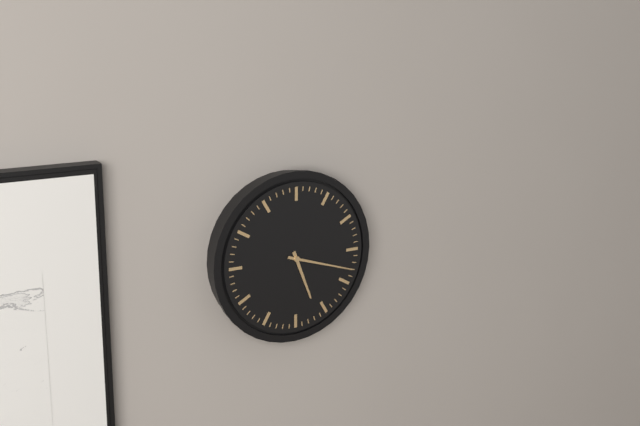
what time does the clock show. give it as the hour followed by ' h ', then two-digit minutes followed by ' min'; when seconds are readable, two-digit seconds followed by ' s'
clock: 5 h 18 min
